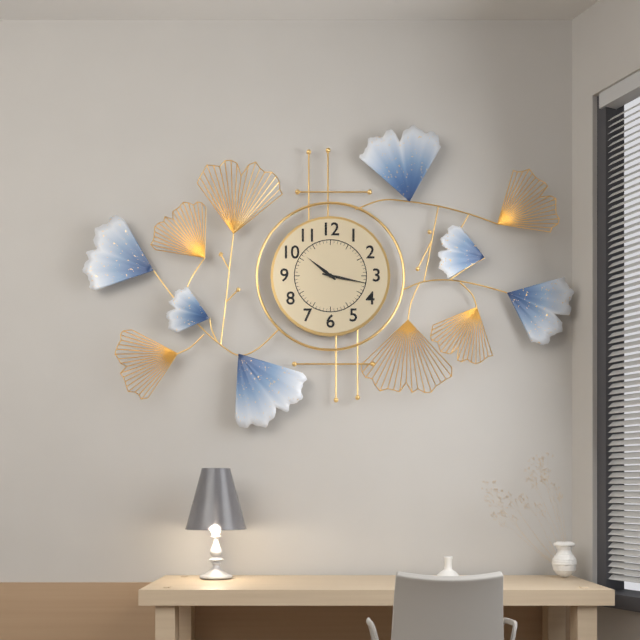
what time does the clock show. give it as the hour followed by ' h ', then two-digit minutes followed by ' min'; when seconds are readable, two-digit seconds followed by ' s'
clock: 10 h 17 min
